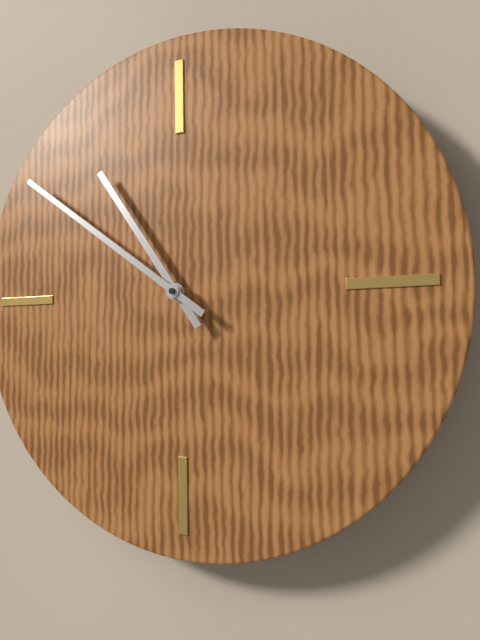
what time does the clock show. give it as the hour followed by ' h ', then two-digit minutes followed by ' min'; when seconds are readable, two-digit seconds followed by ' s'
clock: 10 h 51 min
